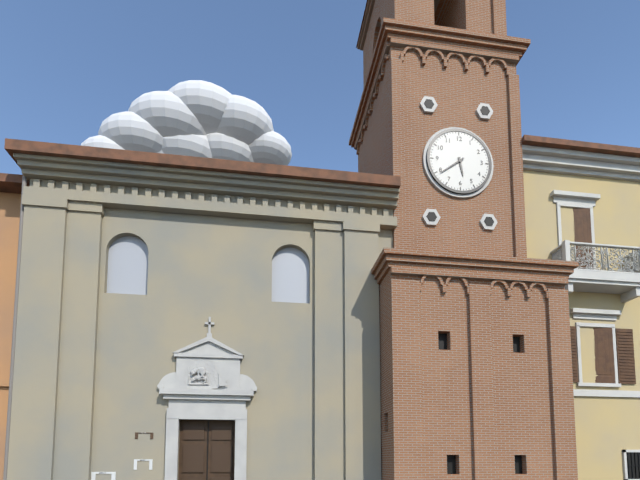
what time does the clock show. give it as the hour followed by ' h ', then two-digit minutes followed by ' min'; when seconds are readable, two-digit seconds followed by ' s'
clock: 5 h 39 min
